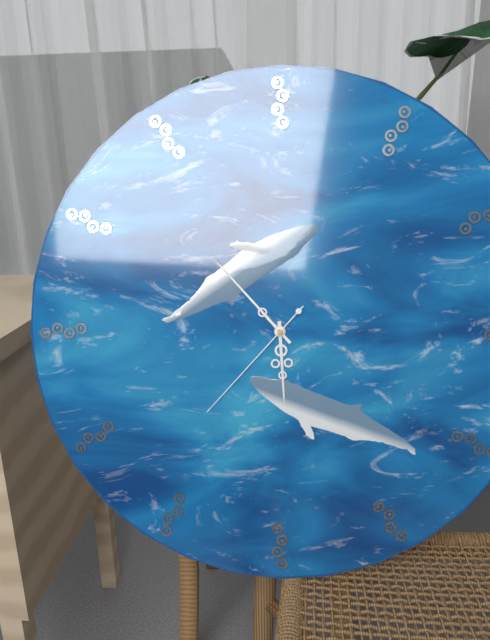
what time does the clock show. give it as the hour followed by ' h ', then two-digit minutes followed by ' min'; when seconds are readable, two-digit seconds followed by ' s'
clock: 5 h 53 min 37 s
